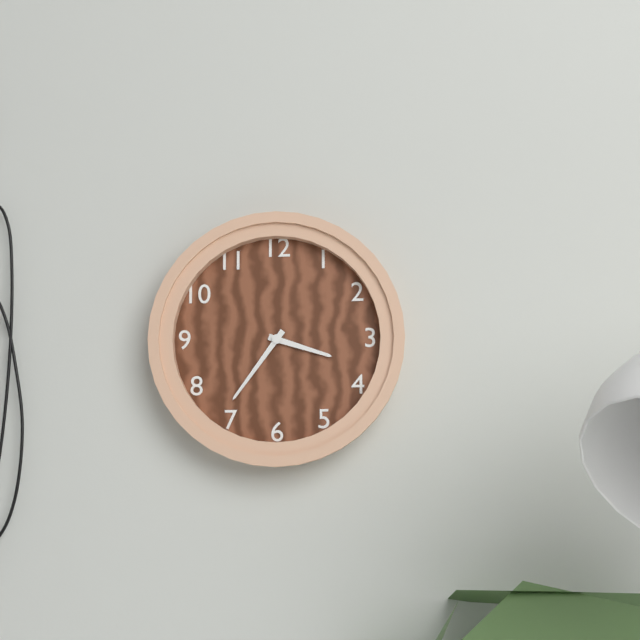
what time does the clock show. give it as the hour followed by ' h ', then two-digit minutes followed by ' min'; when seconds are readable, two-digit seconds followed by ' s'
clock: 3 h 36 min
